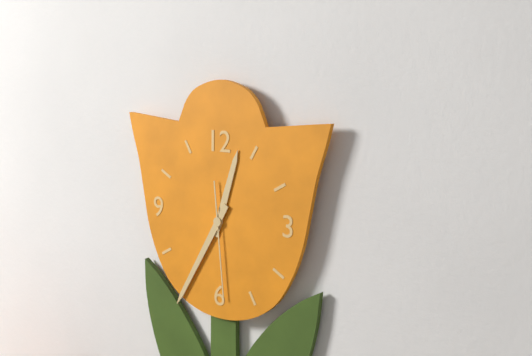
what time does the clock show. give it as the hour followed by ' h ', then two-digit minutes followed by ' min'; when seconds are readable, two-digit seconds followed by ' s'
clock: 12 h 35 min 29 s
